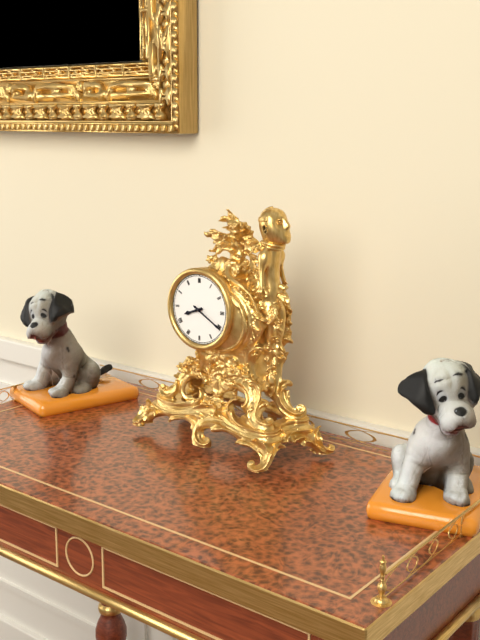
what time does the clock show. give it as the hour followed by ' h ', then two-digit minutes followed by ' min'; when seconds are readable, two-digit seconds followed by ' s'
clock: 8 h 20 min
